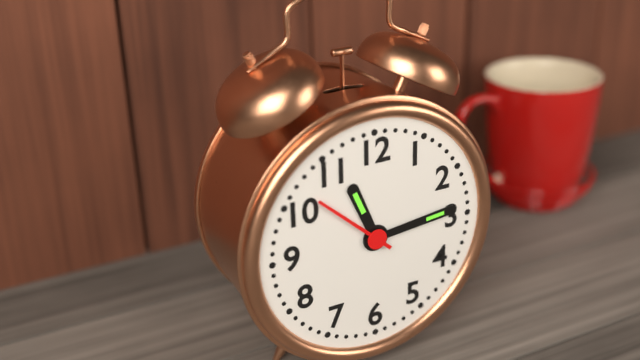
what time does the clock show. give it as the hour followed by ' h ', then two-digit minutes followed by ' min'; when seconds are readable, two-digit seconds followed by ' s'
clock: 11 h 14 min 52 s
